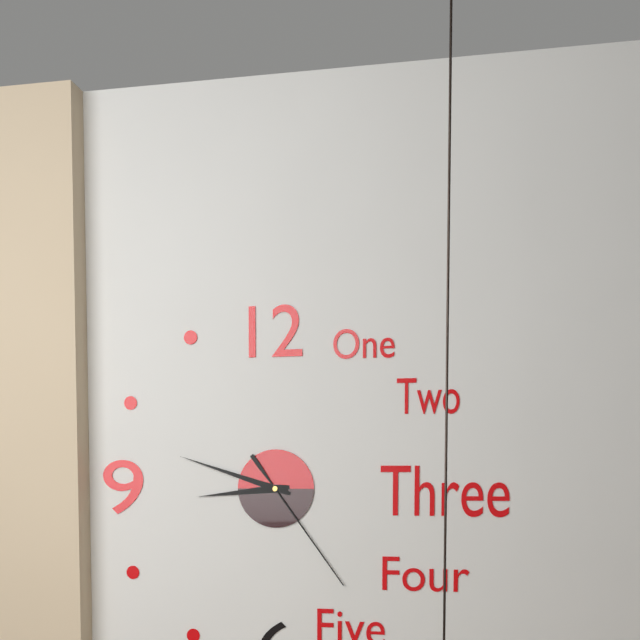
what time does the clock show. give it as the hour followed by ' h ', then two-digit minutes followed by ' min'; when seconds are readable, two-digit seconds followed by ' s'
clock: 8 h 48 min 24 s
